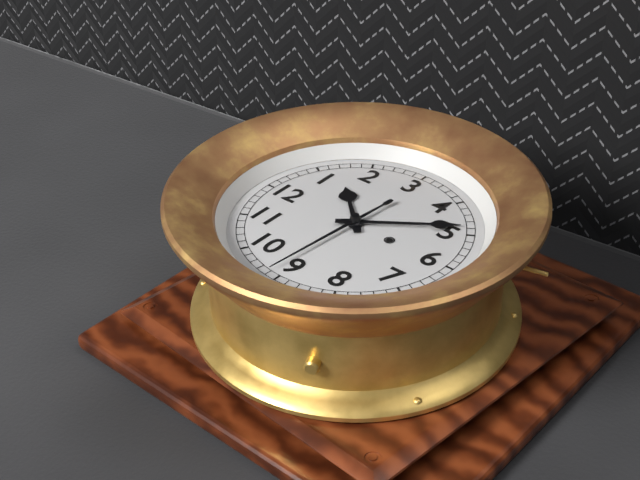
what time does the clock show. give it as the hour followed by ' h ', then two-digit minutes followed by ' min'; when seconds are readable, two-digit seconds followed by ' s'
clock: 1 h 24 min 46 s
